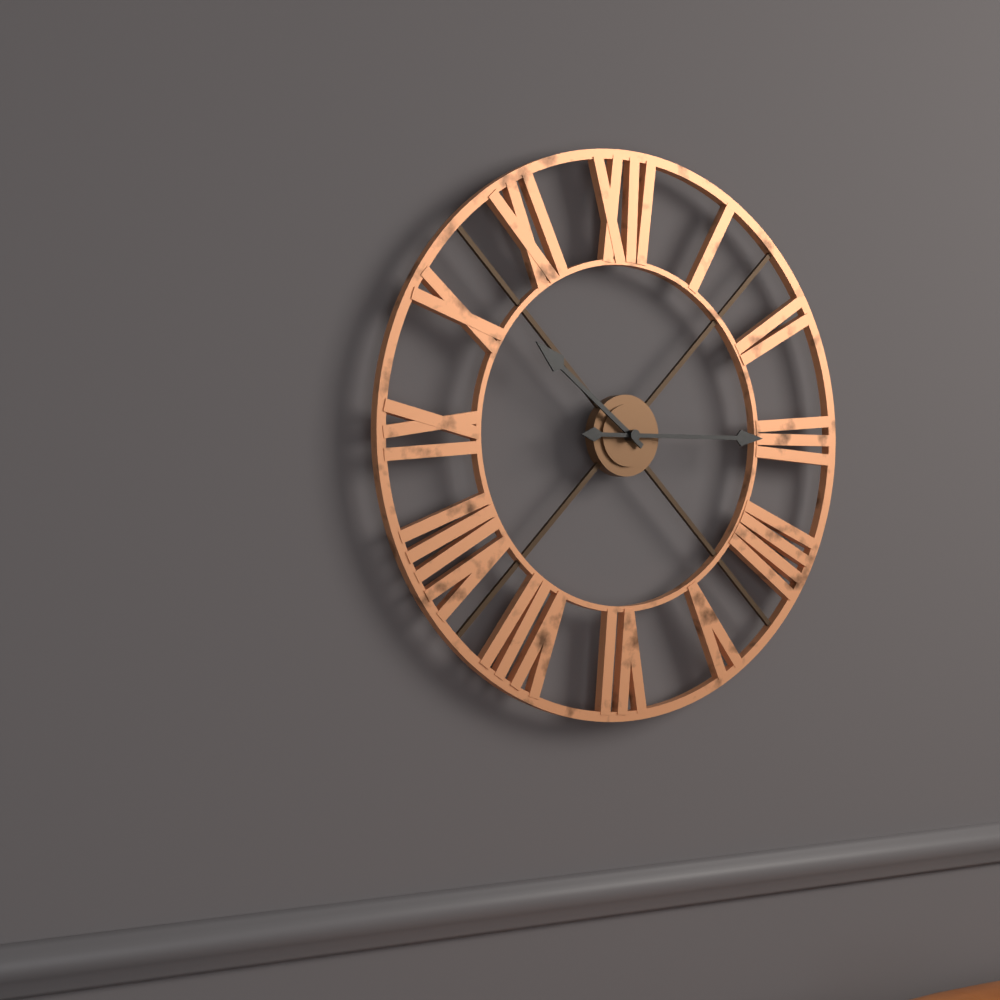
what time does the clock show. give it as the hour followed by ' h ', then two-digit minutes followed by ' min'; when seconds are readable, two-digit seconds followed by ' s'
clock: 10 h 15 min
